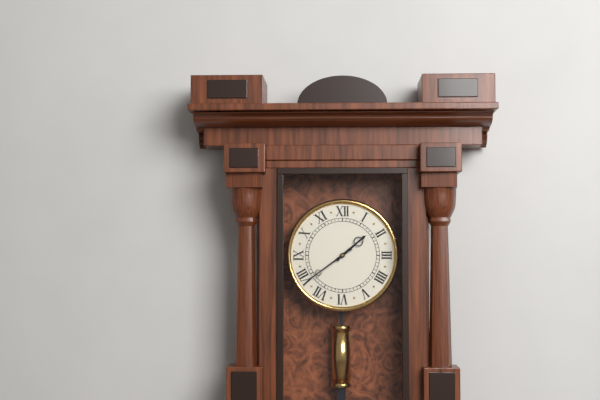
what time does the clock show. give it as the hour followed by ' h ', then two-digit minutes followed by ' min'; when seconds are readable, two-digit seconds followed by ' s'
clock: 1 h 39 min
